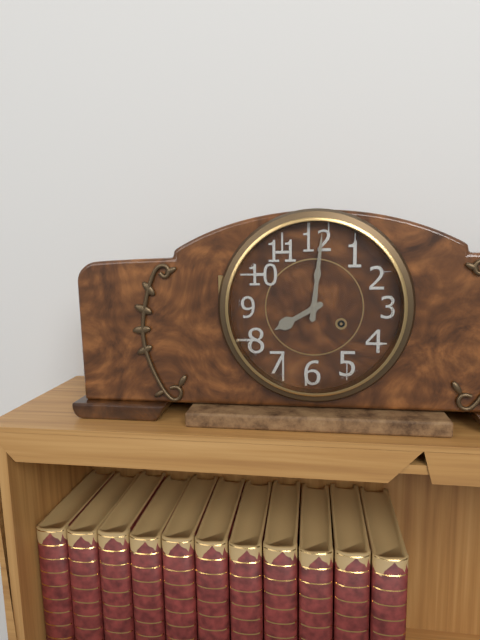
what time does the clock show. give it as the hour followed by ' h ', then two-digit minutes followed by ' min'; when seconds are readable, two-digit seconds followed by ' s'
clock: 8 h 01 min
